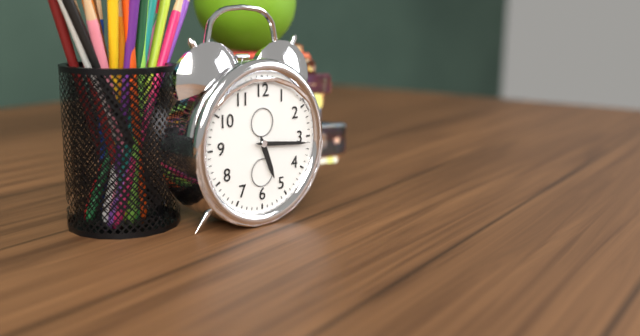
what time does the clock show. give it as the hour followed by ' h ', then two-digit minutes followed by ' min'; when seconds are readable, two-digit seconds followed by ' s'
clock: 5 h 16 min
